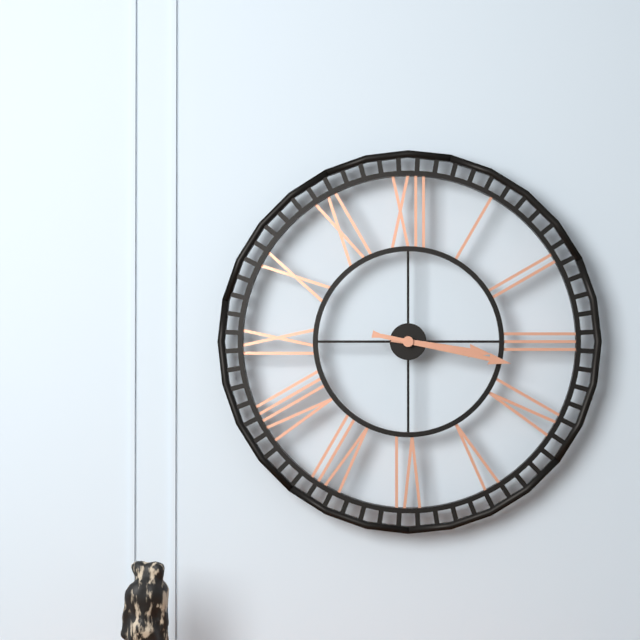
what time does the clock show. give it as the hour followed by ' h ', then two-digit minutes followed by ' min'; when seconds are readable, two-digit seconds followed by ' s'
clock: 3 h 17 min
